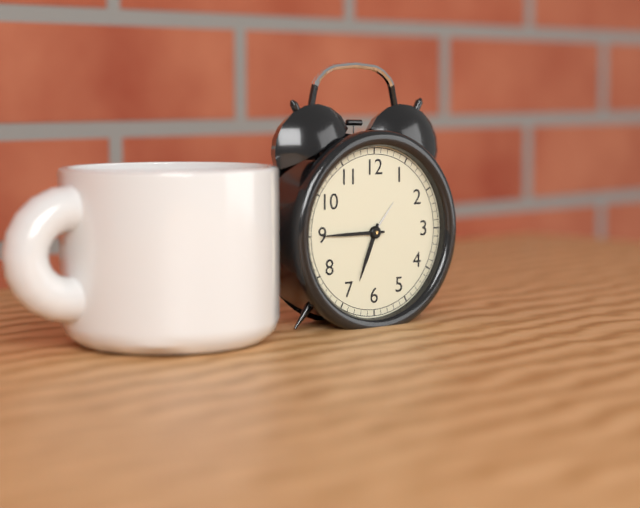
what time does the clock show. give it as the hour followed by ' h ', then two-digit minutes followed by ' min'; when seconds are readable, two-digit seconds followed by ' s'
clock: 6 h 45 min
